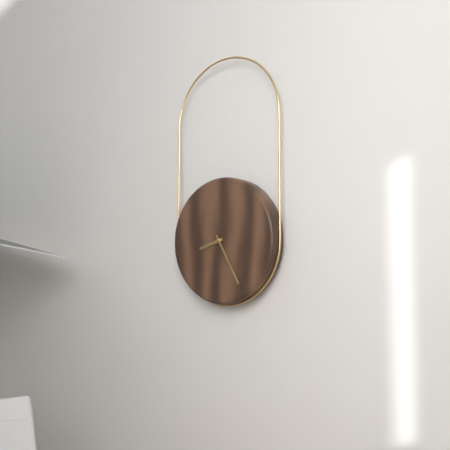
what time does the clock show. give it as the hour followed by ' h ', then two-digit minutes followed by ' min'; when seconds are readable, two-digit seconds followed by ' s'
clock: 8 h 25 min
